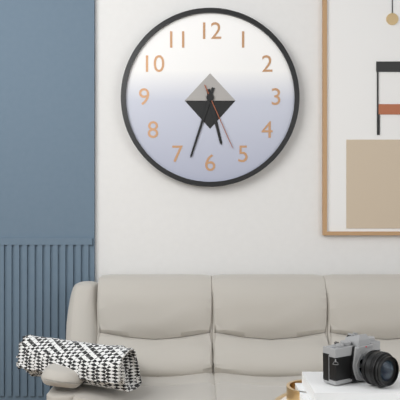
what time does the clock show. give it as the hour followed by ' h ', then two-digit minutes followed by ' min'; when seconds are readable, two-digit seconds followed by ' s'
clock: 5 h 33 min 26 s
